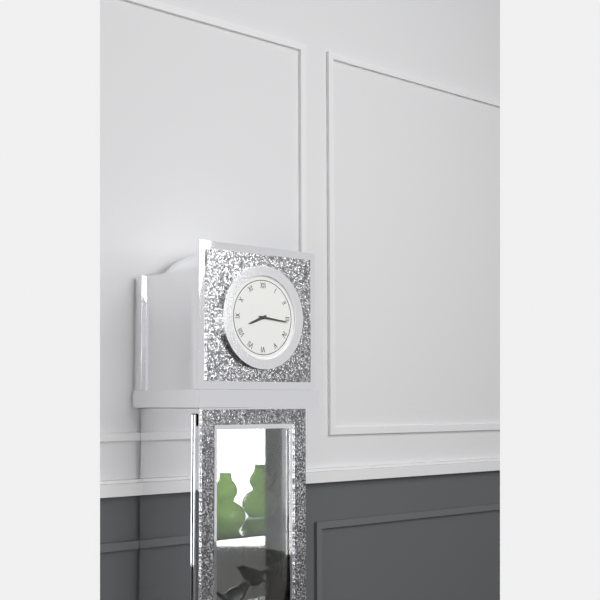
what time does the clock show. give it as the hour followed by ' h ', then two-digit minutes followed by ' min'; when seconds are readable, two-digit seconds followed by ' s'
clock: 8 h 16 min
